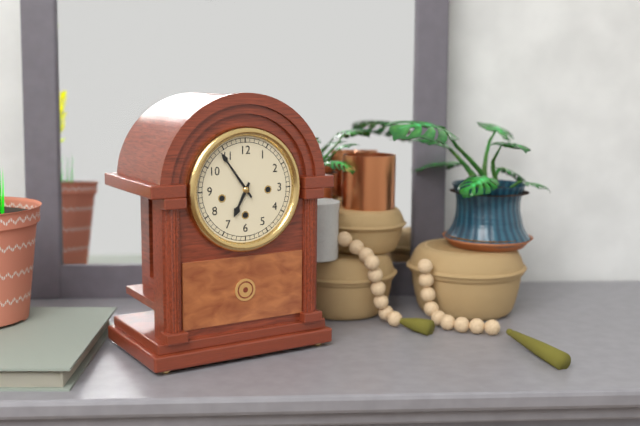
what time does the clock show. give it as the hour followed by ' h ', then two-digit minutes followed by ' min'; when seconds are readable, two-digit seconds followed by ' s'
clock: 6 h 54 min
